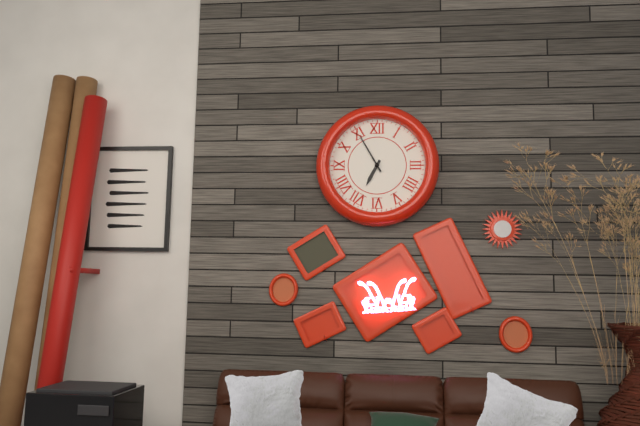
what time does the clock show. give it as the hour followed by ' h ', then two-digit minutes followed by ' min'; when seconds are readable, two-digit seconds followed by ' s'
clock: 6 h 55 min
